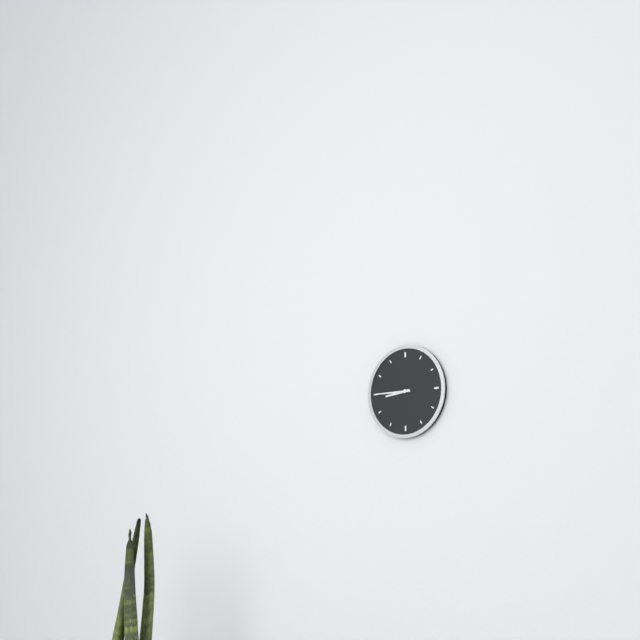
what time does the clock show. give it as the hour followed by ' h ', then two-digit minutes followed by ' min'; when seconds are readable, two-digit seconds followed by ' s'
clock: 8 h 45 min
